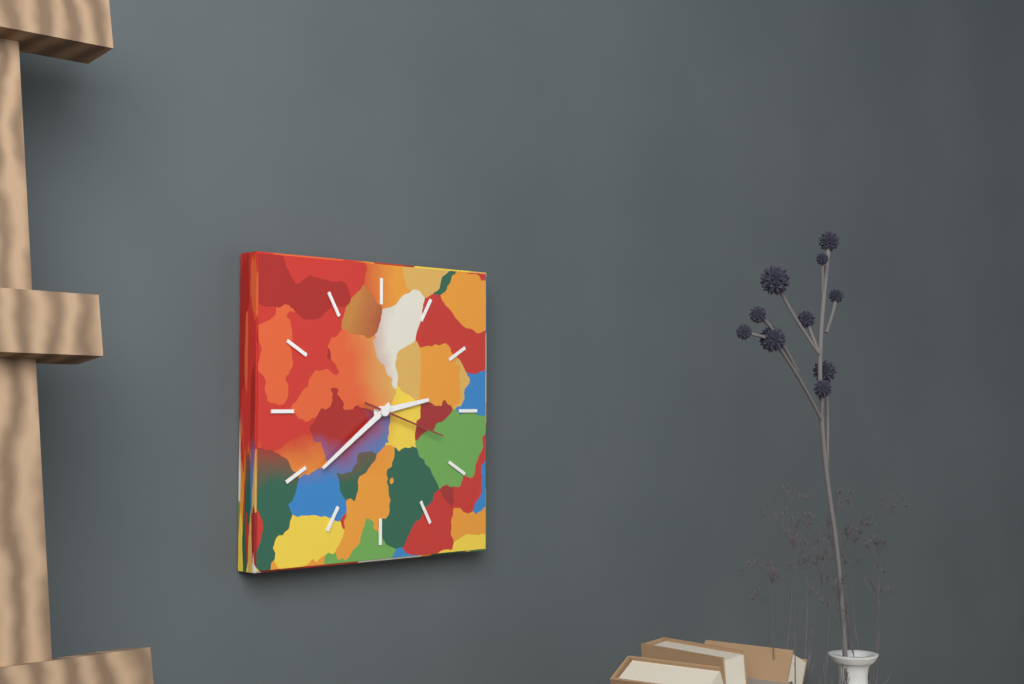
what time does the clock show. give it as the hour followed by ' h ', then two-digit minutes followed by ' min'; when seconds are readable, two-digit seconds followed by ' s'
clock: 2 h 39 min 18 s
